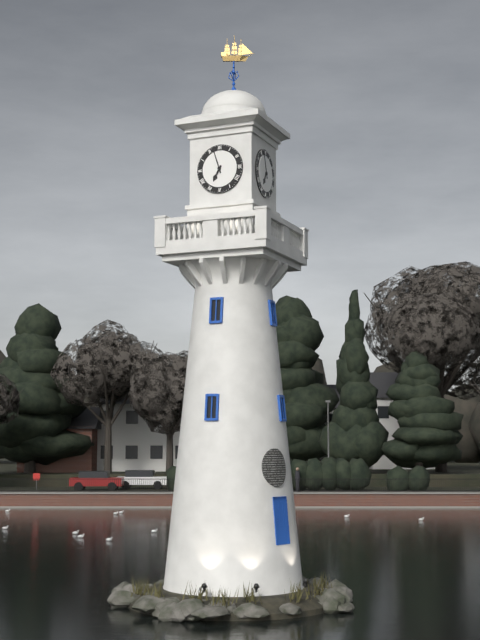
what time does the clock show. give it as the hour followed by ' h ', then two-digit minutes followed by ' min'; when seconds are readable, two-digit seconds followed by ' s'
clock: 6 h 57 min
